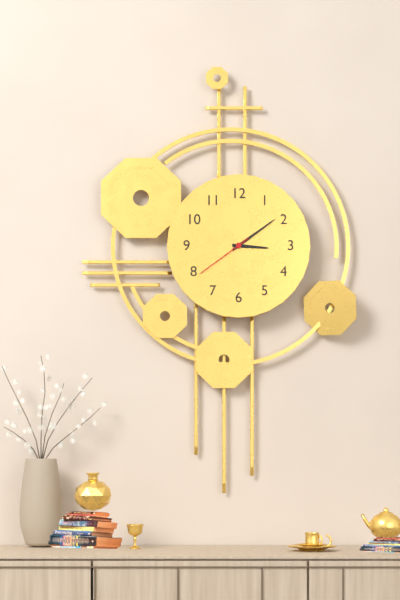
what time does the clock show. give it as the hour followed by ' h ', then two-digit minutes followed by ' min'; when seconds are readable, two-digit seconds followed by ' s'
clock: 3 h 09 min 39 s
